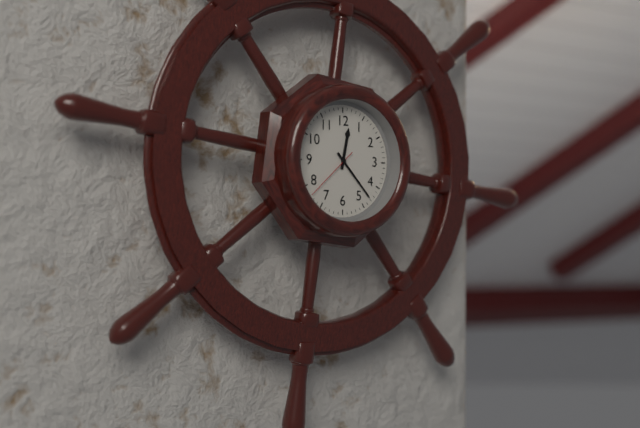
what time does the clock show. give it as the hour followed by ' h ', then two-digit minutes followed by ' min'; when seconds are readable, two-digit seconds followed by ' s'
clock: 12 h 23 min 38 s
